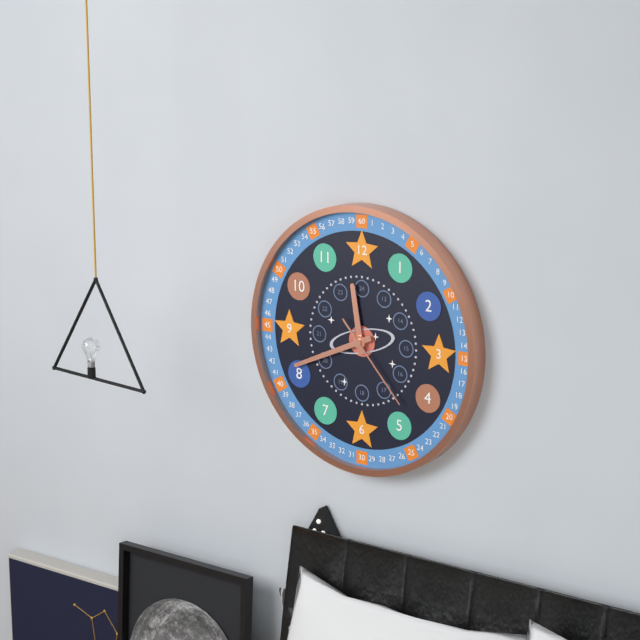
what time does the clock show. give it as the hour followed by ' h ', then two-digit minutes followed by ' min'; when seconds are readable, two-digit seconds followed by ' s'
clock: 11 h 41 min 23 s
